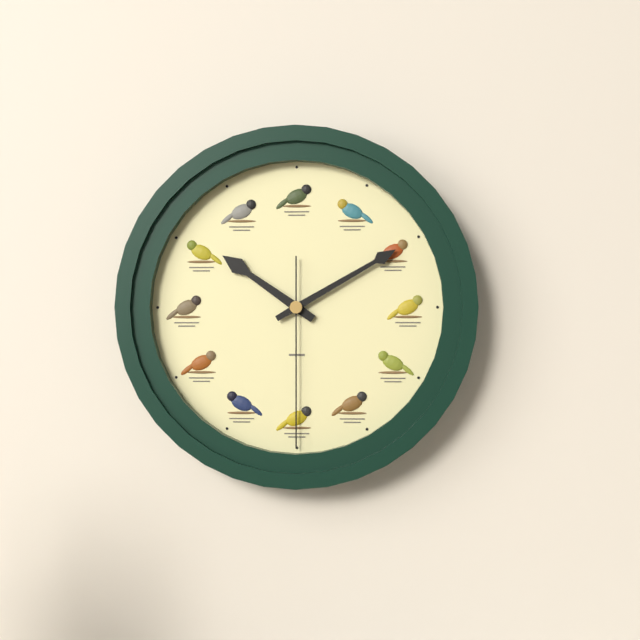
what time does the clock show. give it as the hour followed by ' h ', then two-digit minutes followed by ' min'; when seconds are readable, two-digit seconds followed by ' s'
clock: 10 h 10 min 30 s
